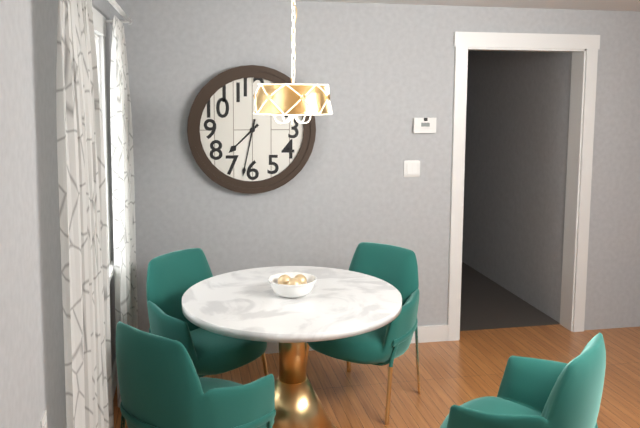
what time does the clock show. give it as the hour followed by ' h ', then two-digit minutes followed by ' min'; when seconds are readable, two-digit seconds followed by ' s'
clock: 7 h 32 min
